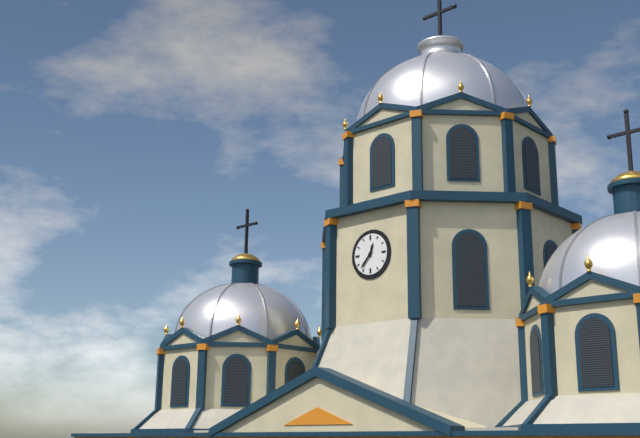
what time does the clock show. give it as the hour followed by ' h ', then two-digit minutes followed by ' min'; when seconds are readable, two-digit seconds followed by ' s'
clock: 12 h 37 min
